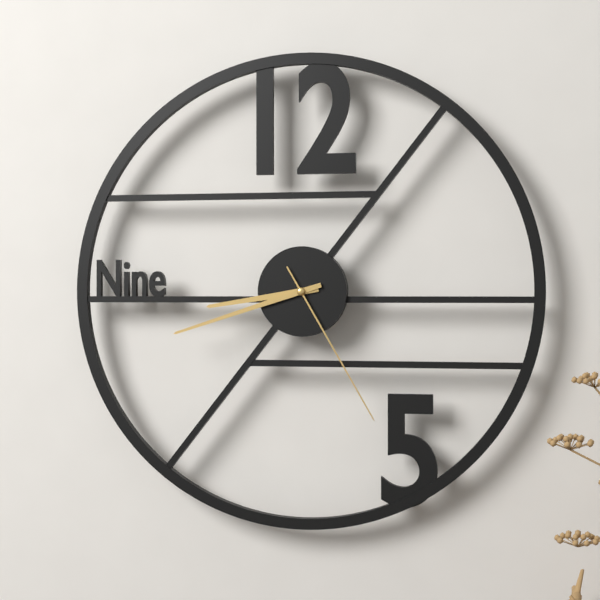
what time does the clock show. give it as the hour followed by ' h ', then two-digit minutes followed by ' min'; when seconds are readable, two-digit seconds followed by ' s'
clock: 8 h 42 min 25 s
